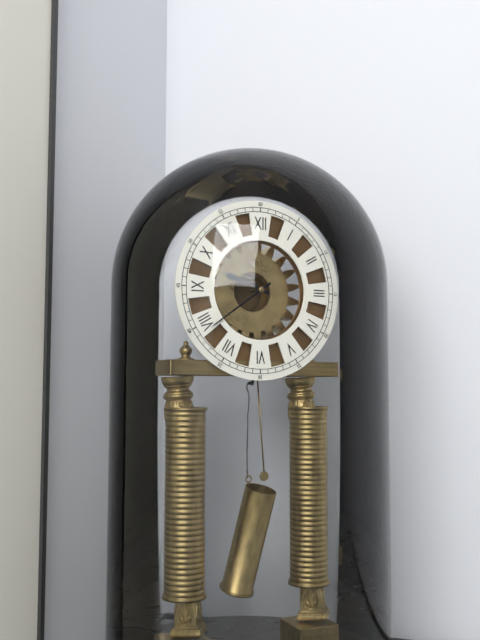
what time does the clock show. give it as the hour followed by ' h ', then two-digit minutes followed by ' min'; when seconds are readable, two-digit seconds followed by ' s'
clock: 9 h 39 min
